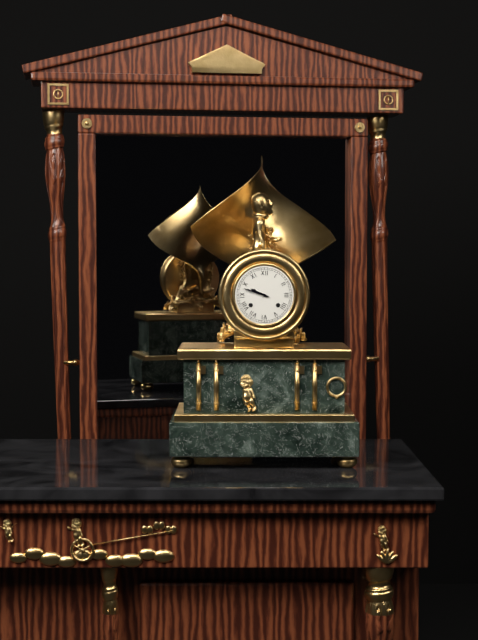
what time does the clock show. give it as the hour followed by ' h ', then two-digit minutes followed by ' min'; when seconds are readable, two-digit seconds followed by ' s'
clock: 9 h 48 min
